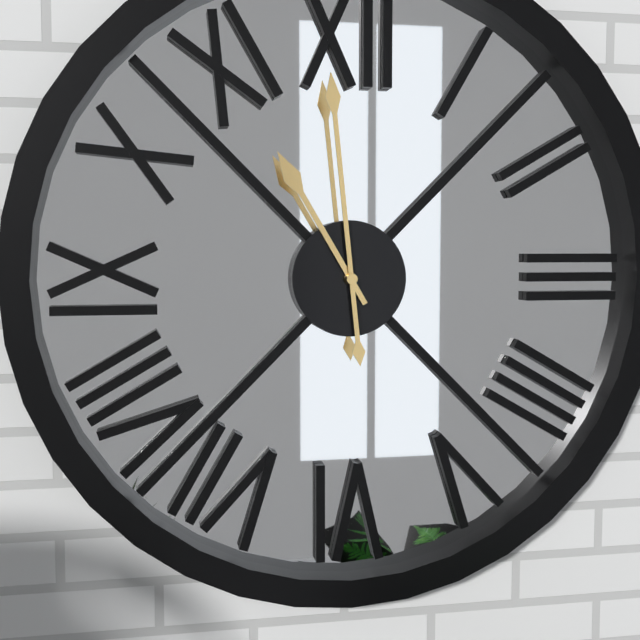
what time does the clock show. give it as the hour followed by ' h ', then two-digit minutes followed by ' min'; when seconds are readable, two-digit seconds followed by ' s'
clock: 10 h 59 min
